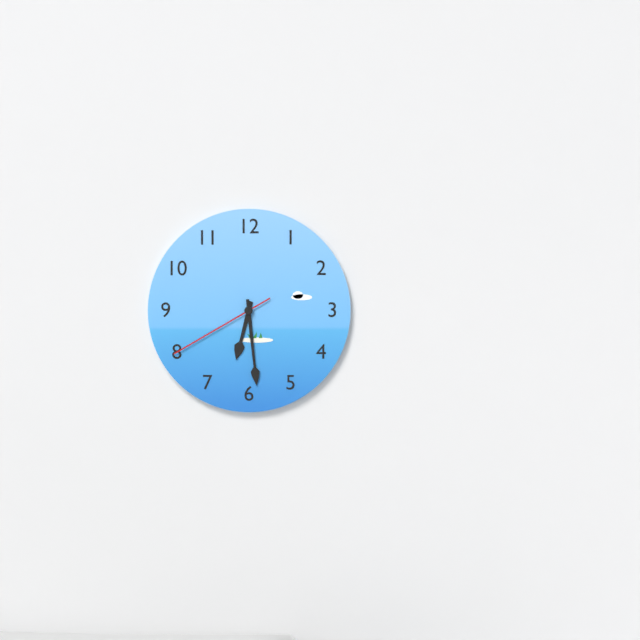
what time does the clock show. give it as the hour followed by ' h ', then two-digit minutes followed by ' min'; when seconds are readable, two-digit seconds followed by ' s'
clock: 6 h 29 min 40 s
